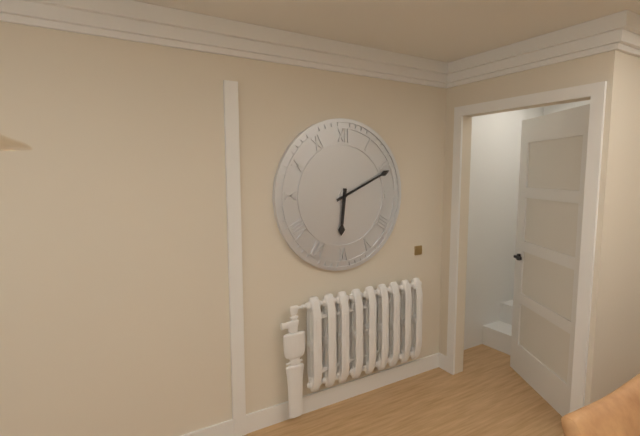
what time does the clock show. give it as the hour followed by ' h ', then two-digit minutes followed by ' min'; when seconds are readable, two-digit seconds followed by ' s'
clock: 6 h 11 min
